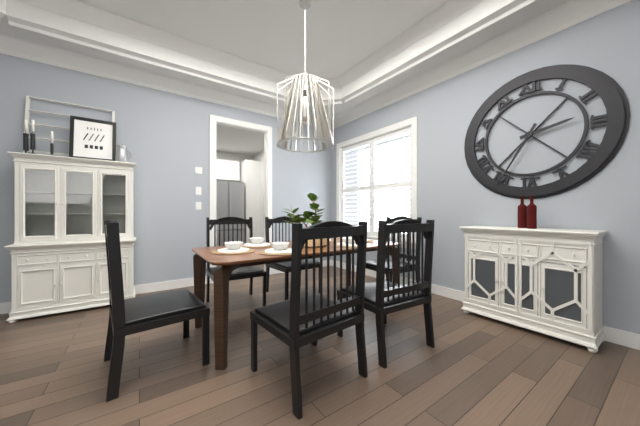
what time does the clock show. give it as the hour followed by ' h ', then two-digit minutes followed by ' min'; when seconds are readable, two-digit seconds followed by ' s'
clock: 2 h 35 min
